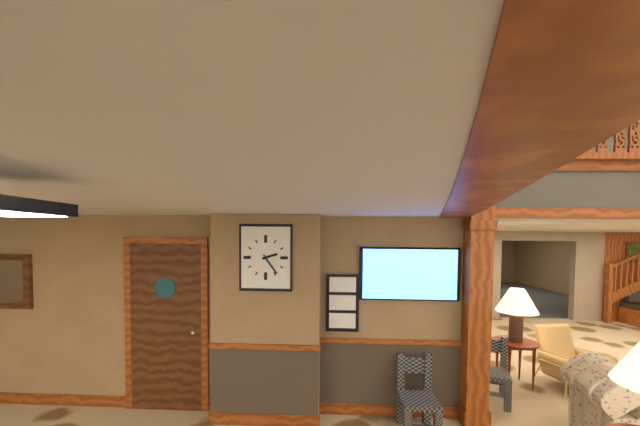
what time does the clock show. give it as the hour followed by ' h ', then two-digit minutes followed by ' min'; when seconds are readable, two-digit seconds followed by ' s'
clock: 2 h 24 min
